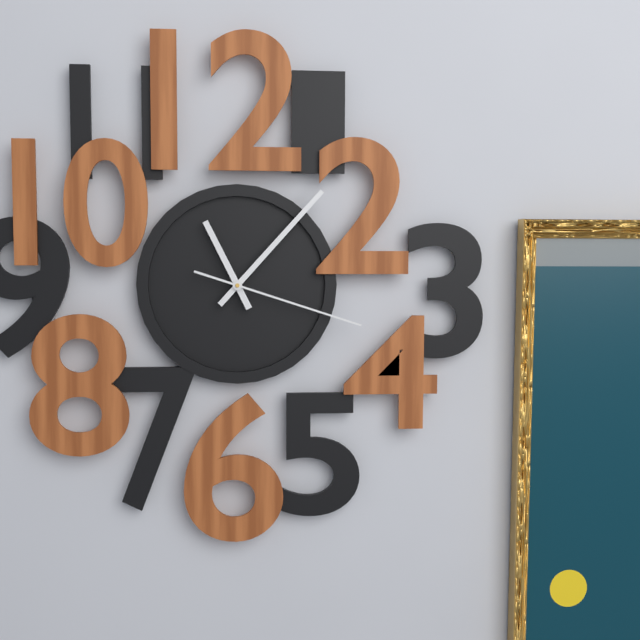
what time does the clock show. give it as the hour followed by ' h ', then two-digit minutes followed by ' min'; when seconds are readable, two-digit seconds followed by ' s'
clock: 11 h 07 min 18 s
